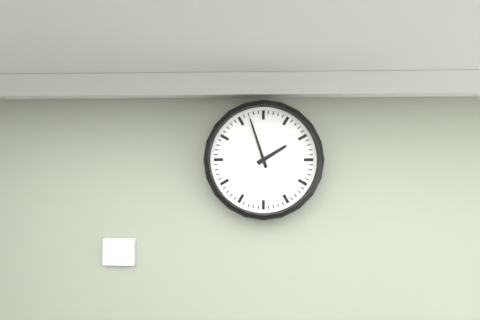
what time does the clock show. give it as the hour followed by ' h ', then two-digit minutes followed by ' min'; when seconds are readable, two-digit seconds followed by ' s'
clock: 1 h 57 min
